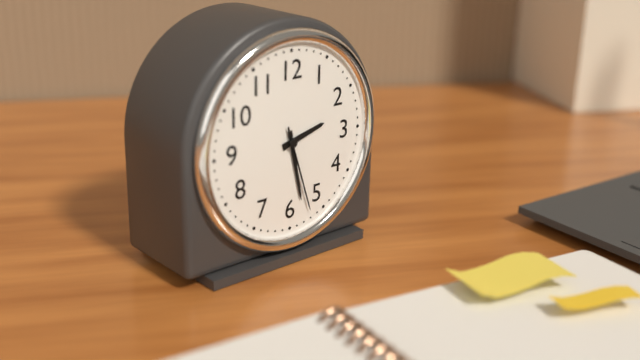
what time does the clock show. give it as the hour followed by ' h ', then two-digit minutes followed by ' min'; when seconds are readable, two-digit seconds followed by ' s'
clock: 2 h 28 min 27 s
